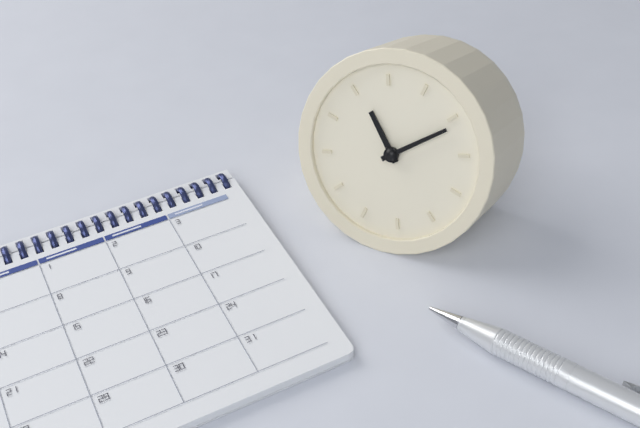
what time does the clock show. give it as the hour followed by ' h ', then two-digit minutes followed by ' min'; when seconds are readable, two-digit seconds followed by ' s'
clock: 11 h 11 min
